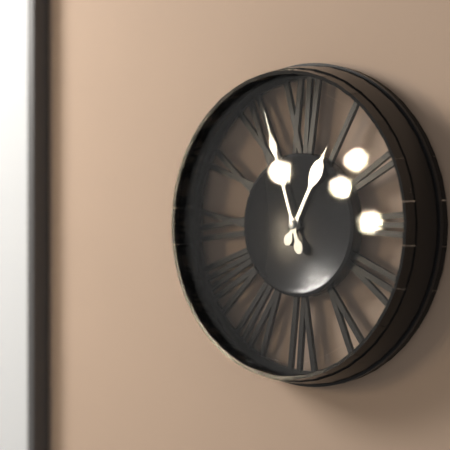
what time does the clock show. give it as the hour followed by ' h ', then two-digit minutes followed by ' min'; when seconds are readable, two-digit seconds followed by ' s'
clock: 12 h 57 min
